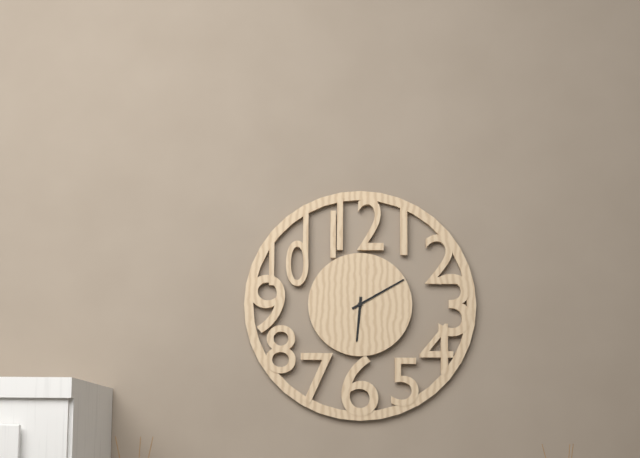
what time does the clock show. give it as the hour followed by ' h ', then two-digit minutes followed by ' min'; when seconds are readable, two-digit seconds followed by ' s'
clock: 6 h 10 min
